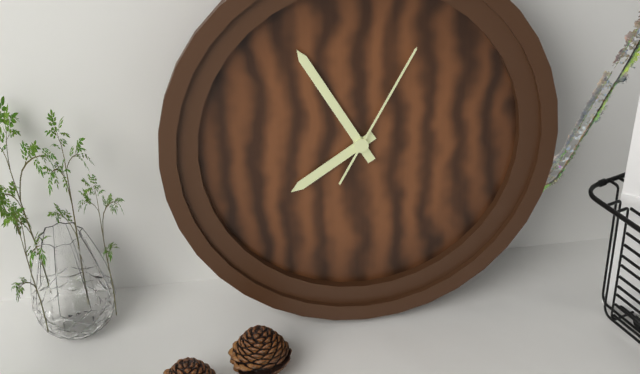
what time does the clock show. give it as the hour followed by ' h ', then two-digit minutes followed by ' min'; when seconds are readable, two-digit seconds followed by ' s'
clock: 7 h 55 min 05 s
